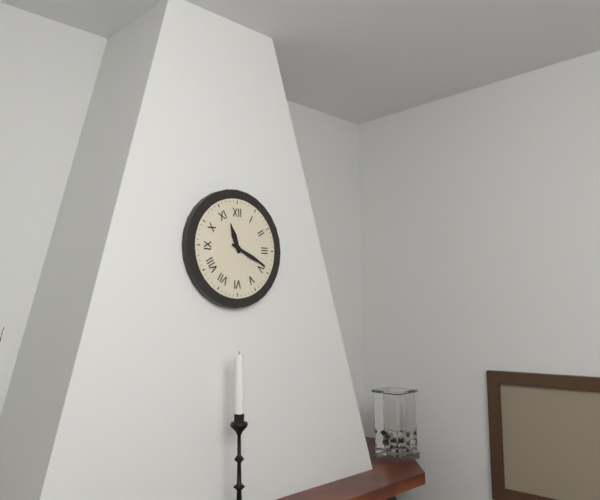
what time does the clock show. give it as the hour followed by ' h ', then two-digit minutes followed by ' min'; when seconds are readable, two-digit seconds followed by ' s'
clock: 11 h 19 min
